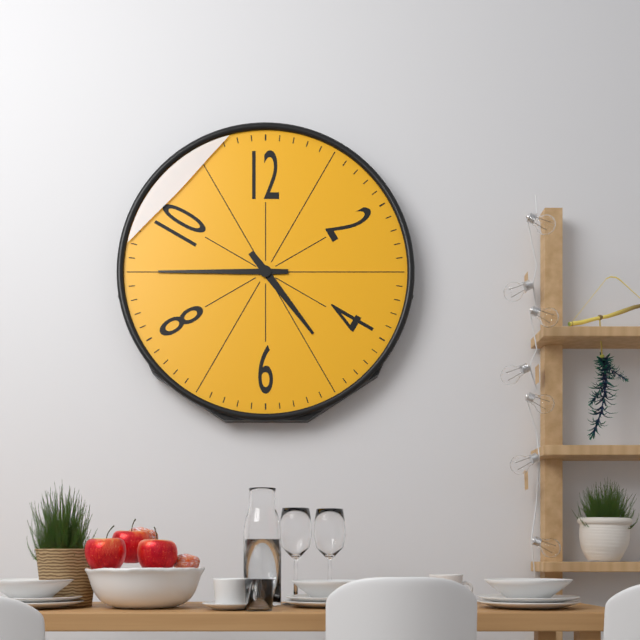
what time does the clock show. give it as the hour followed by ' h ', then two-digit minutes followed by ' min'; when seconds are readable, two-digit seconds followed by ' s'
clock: 4 h 45 min
